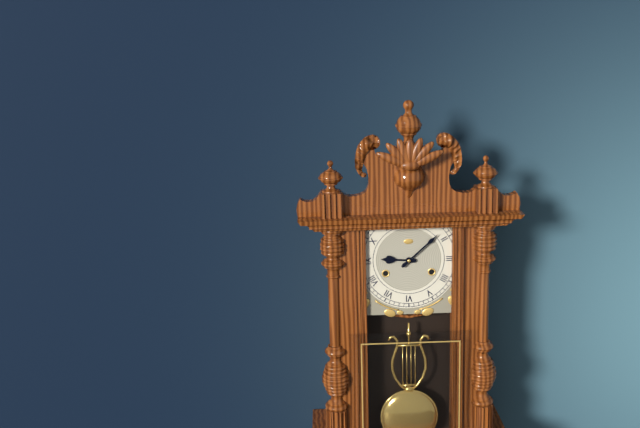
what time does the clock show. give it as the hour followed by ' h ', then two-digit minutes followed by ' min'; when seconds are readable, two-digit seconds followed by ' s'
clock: 9 h 08 min
